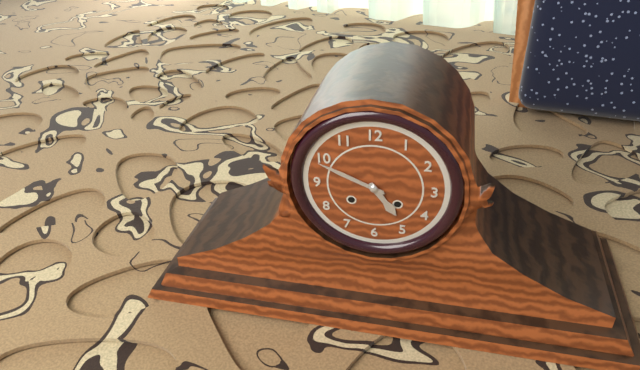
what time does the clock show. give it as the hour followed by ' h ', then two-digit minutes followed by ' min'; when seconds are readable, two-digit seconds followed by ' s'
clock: 4 h 49 min
